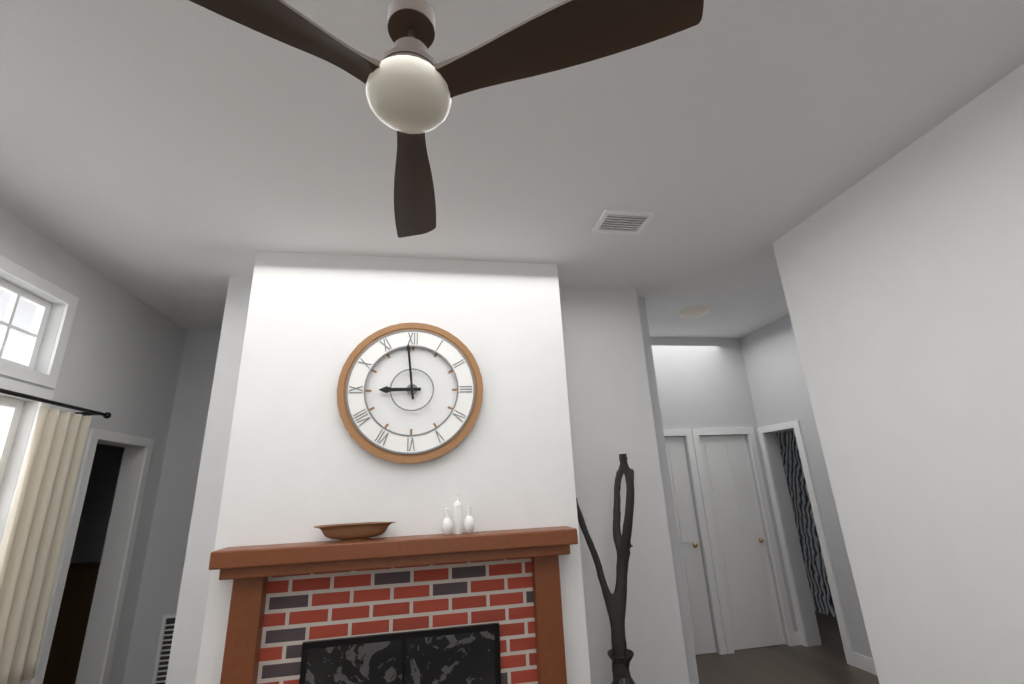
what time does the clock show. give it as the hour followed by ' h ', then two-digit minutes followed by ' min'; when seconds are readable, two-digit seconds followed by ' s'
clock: 8 h 59 min
